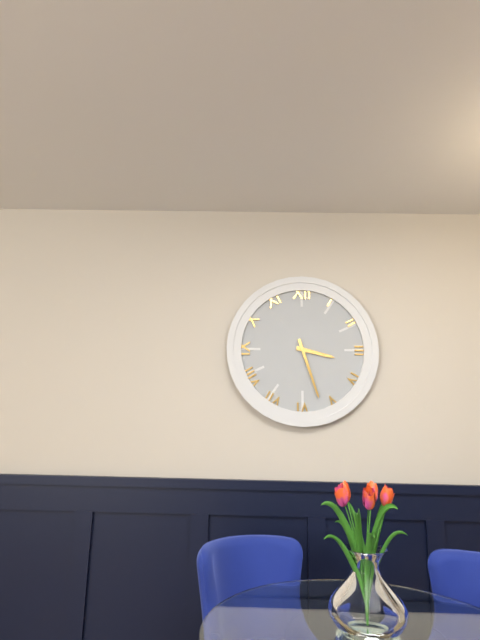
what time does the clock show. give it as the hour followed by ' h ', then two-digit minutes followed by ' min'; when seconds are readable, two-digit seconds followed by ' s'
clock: 3 h 27 min
